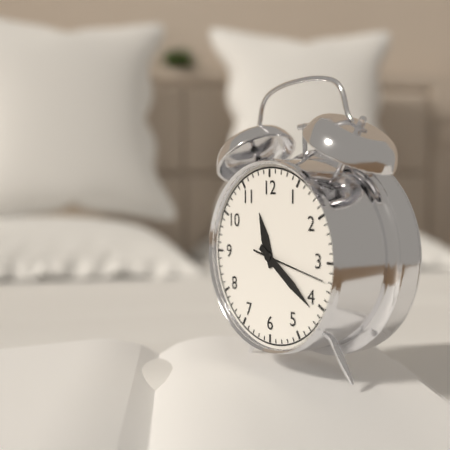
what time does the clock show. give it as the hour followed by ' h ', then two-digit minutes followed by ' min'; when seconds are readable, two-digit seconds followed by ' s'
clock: 11 h 21 min 17 s
